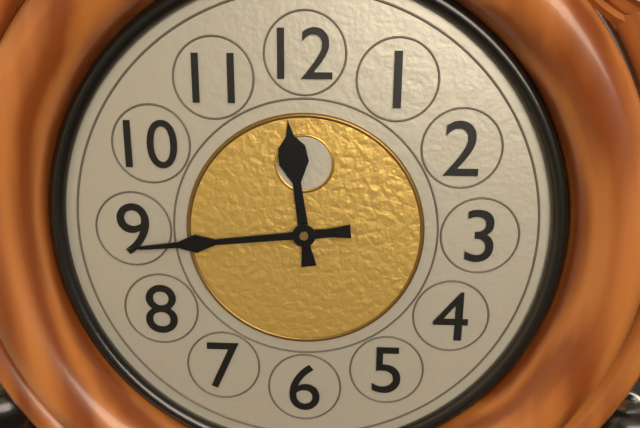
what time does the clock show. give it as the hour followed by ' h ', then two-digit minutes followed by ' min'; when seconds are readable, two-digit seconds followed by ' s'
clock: 11 h 44 min
